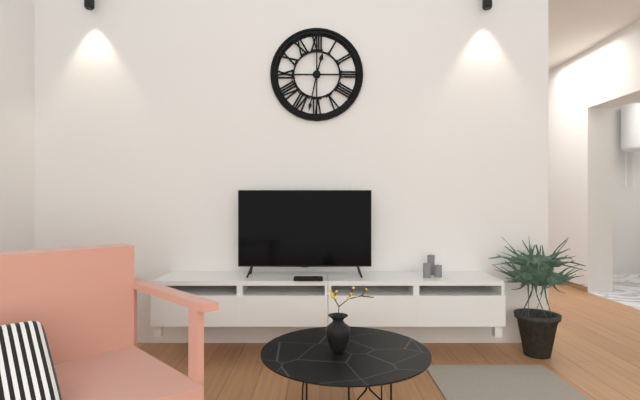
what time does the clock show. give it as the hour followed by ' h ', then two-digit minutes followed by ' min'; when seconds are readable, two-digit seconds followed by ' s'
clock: 12 h 32 min
